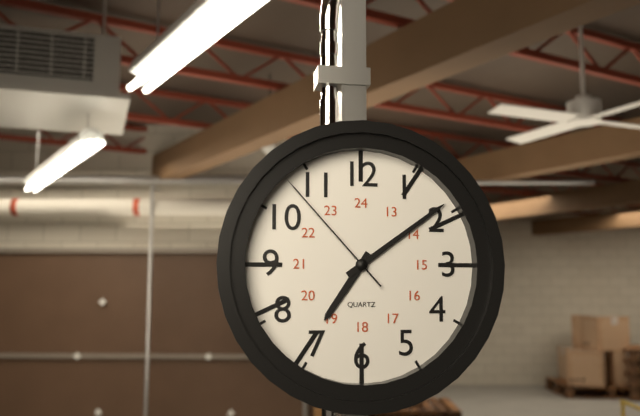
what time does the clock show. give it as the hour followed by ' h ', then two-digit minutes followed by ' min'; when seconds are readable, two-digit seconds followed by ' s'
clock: 7 h 09 min 53 s
